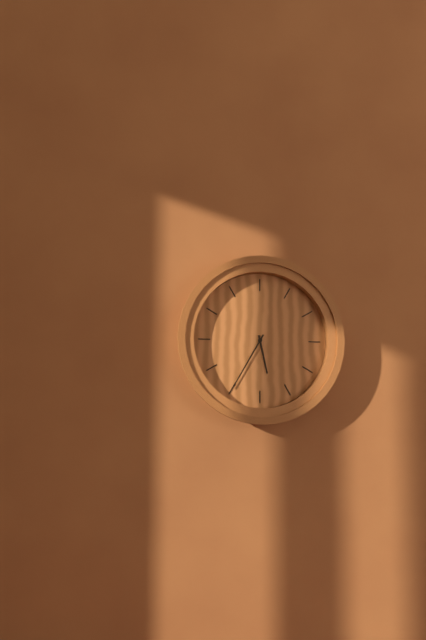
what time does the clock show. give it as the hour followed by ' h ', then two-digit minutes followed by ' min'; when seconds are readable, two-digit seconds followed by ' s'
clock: 5 h 35 min
